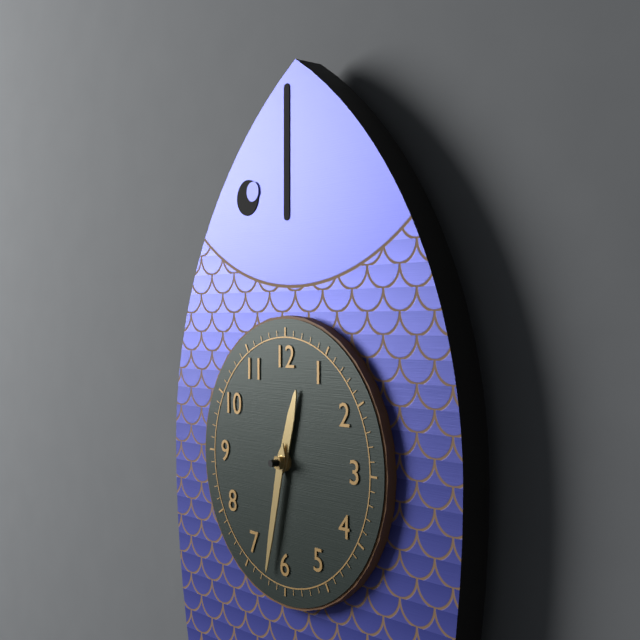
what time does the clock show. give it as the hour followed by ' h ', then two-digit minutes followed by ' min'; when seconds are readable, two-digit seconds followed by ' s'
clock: 12 h 32 min
